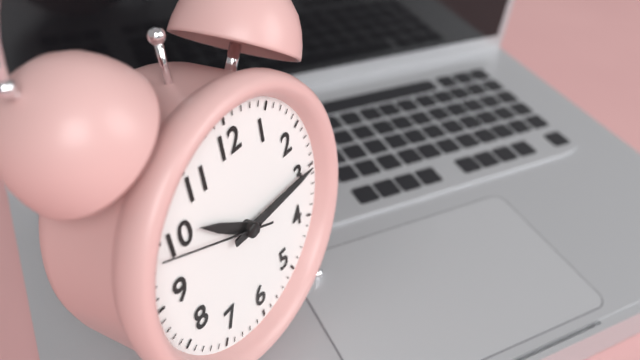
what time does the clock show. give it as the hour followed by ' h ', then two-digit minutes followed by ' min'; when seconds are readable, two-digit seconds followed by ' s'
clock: 10 h 15 min 49 s
